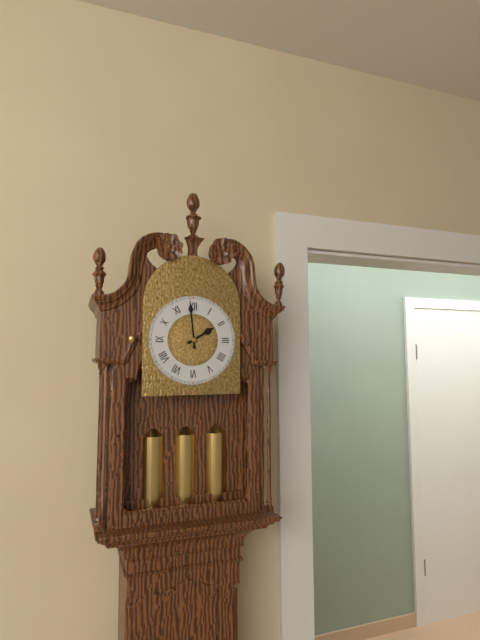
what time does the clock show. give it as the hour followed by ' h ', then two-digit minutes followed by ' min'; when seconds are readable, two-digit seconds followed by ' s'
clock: 1 h 59 min
